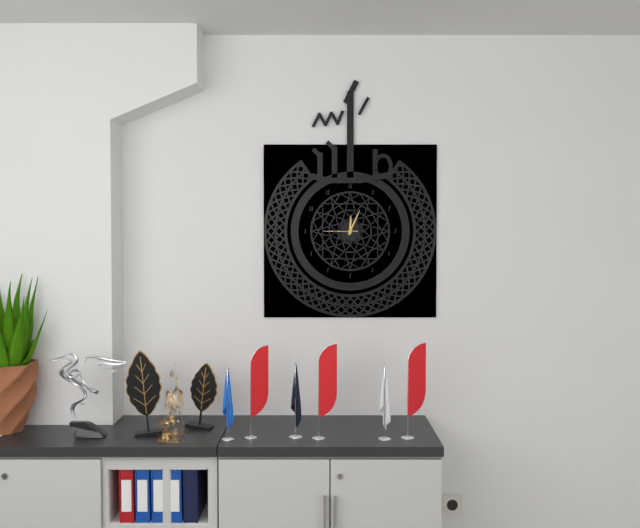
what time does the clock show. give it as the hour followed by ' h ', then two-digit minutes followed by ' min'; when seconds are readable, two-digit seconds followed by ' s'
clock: 12 h 04 min
